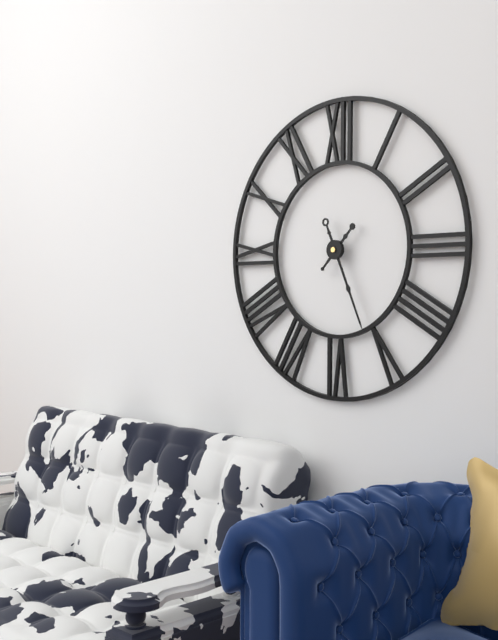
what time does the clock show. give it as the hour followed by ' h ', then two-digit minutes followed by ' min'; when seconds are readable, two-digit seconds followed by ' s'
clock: 1 h 26 min
